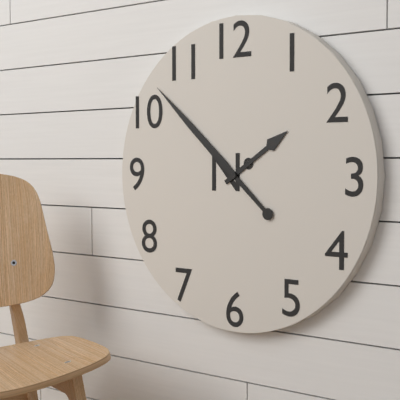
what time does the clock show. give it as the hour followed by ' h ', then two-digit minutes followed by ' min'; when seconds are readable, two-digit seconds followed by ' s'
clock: 1 h 52 min
